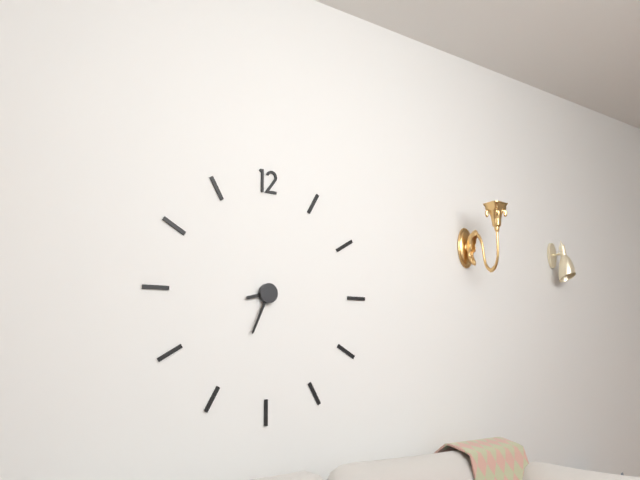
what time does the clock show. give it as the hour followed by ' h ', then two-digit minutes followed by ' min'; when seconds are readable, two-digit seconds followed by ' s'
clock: 8 h 34 min
